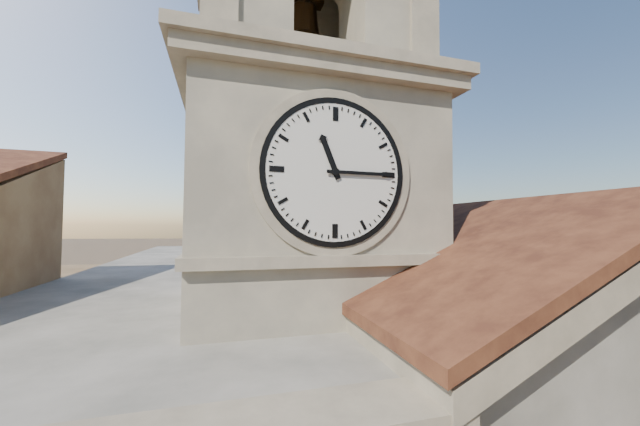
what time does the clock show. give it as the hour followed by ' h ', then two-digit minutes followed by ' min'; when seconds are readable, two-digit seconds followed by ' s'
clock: 11 h 15 min
